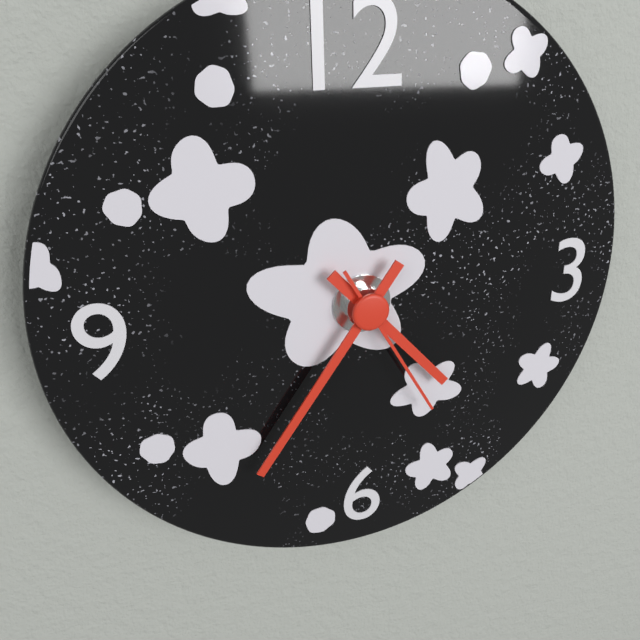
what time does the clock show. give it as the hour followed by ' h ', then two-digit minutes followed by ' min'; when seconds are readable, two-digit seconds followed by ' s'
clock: 4 h 36 min 25 s
